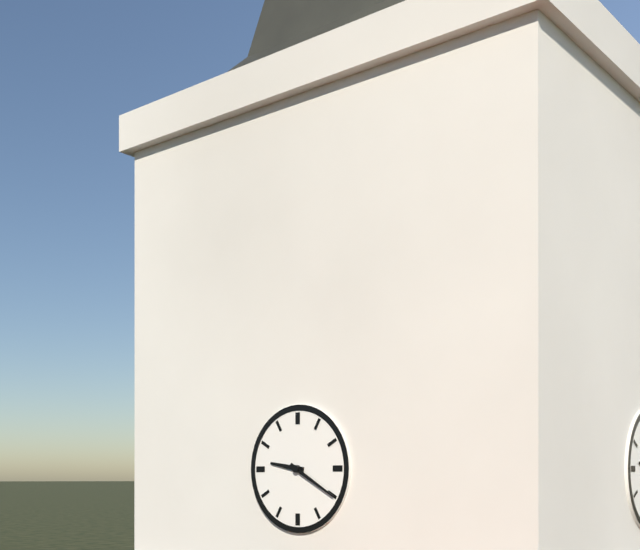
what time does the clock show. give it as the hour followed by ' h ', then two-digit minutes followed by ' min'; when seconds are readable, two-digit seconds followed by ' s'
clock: 9 h 20 min
